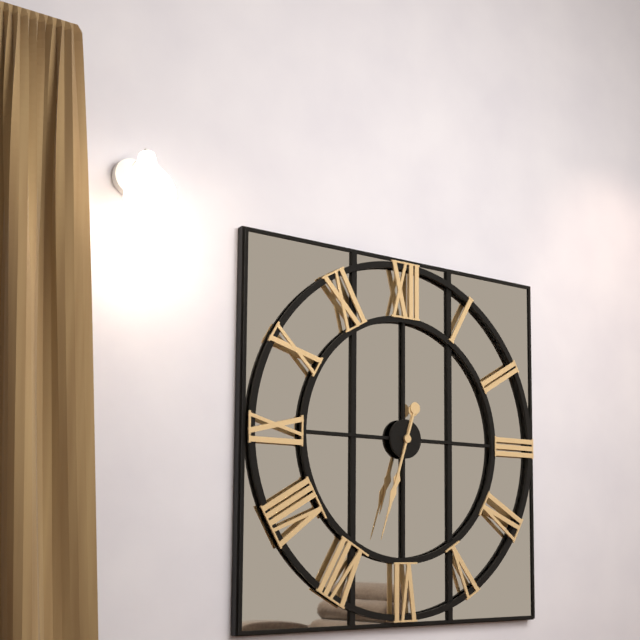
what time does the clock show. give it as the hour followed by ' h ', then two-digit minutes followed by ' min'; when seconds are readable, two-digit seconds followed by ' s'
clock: 6 h 33 min
